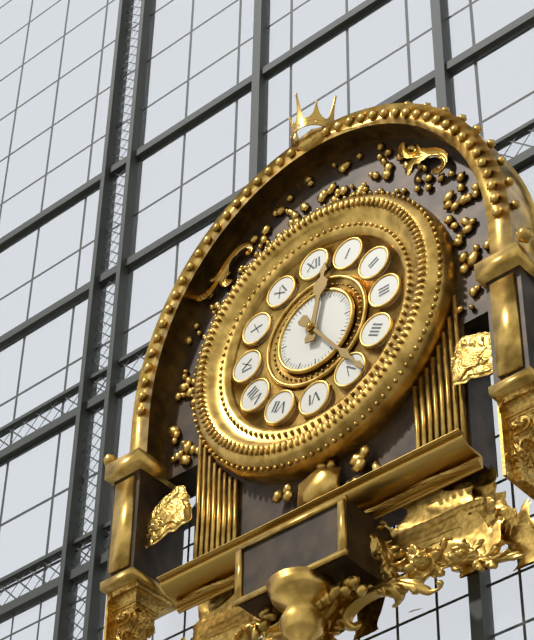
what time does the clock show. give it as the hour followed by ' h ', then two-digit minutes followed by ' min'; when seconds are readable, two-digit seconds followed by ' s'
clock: 12 h 24 min
